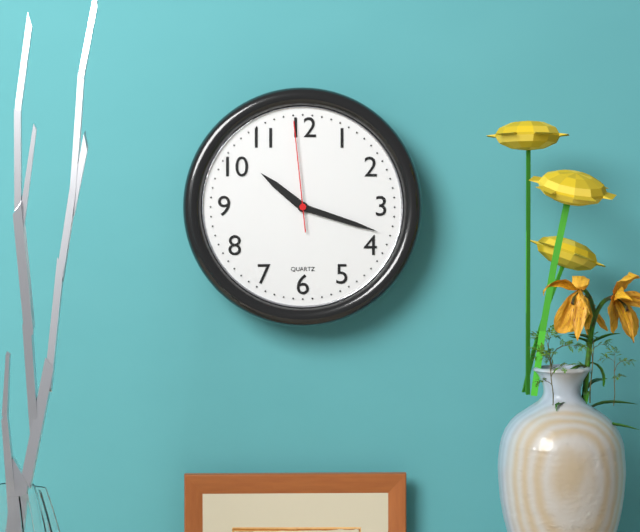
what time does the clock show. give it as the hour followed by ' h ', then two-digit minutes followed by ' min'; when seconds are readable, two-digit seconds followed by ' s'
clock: 10 h 18 min 59 s
